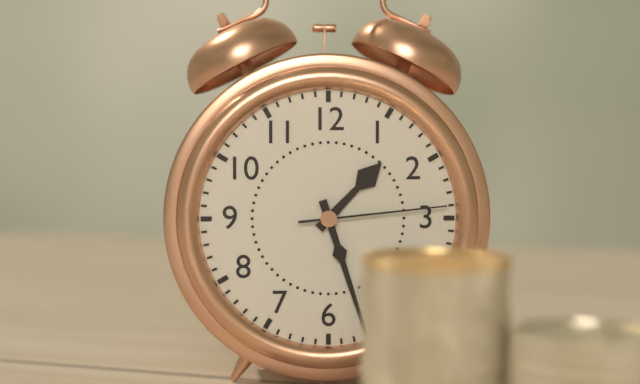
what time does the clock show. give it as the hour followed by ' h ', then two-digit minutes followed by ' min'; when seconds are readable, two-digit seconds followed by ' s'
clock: 1 h 27 min 14 s
